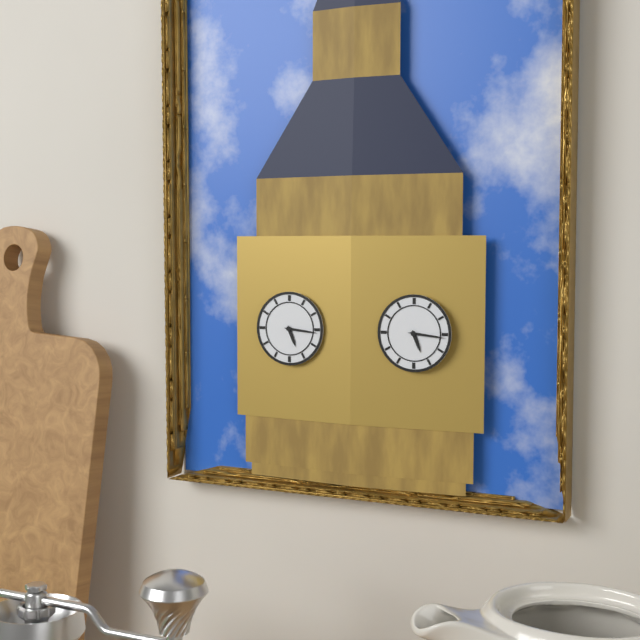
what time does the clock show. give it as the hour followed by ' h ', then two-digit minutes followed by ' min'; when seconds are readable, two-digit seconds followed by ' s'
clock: 5 h 16 min
